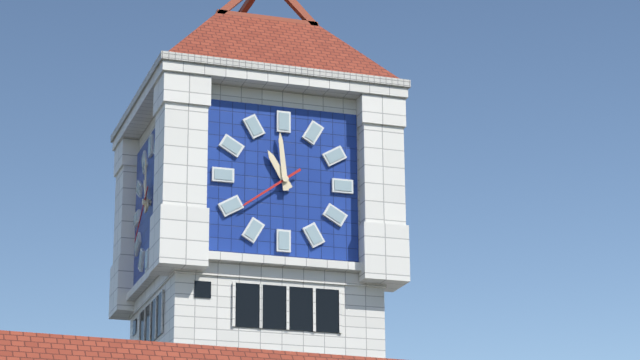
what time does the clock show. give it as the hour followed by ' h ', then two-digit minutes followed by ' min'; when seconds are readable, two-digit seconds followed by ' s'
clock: 10 h 59 min 39 s
